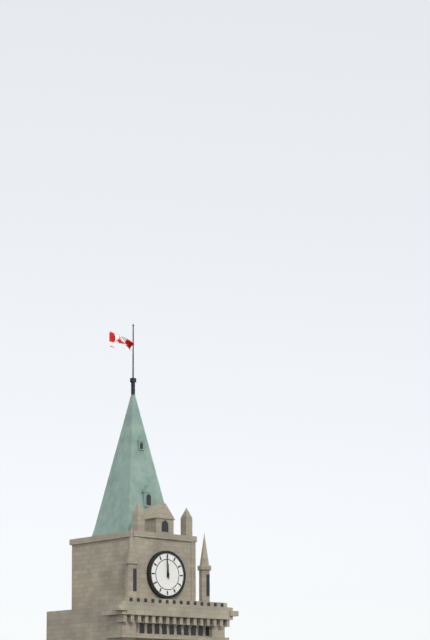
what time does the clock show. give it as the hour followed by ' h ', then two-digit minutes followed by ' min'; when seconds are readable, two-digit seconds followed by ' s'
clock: 11 h 59 min
